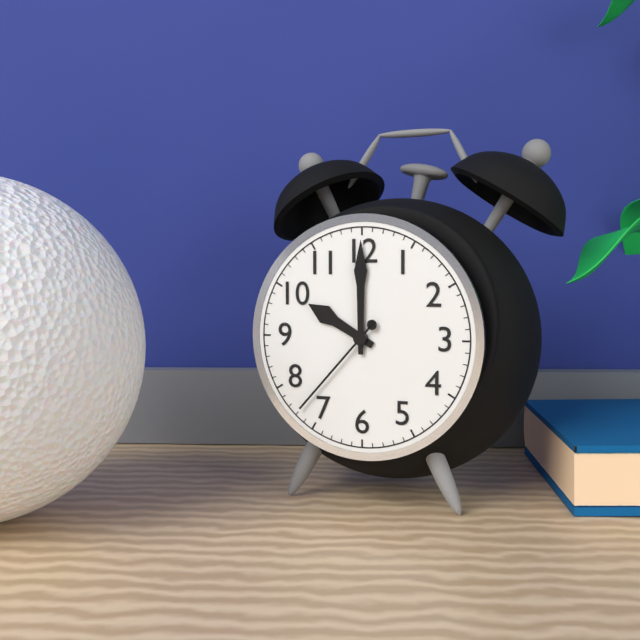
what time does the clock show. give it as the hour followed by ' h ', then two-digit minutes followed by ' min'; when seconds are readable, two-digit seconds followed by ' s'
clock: 10 h 00 min 37 s
